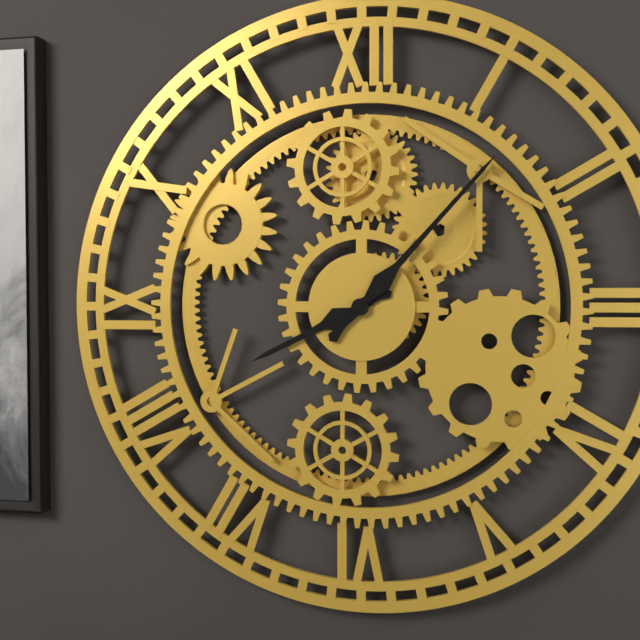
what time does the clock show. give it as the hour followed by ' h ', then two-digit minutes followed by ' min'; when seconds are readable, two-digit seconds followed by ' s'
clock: 8 h 07 min
